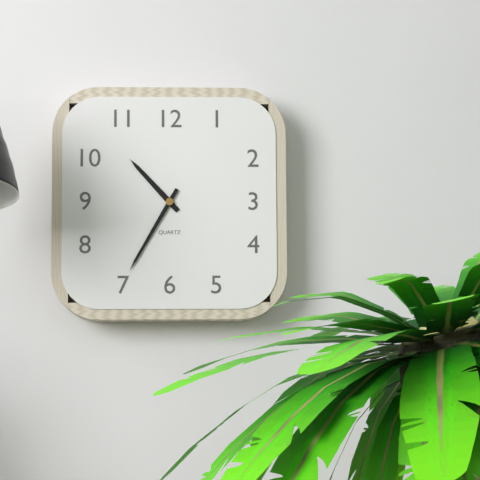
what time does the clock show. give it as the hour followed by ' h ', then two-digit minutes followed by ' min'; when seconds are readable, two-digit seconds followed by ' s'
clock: 10 h 35 min
